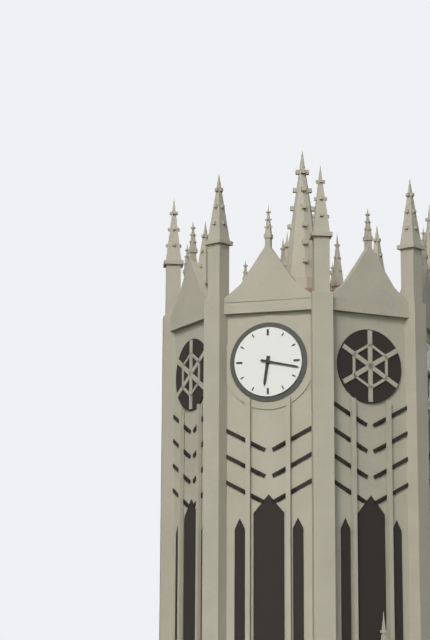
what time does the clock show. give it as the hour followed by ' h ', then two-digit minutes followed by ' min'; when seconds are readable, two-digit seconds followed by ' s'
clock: 6 h 17 min
